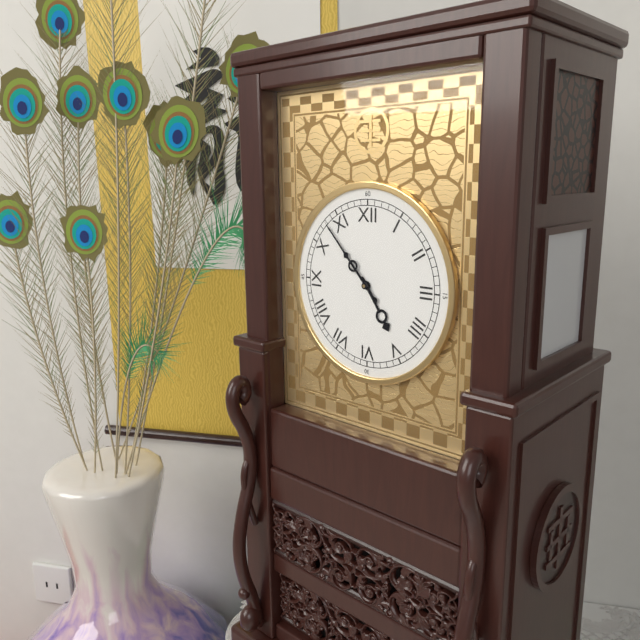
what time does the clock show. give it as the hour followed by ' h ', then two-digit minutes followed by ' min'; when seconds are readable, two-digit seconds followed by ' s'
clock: 4 h 53 min
